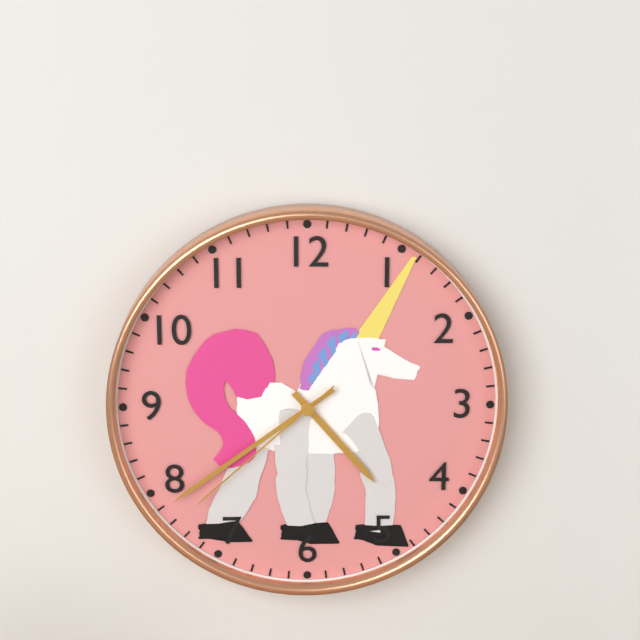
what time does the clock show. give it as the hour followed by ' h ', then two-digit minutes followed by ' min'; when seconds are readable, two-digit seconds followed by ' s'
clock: 4 h 39 min 38 s
